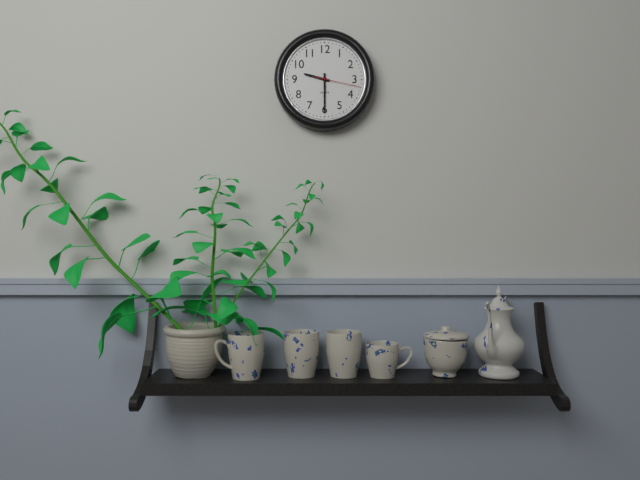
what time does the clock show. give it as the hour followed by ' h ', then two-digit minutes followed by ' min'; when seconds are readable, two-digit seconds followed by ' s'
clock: 9 h 30 min
